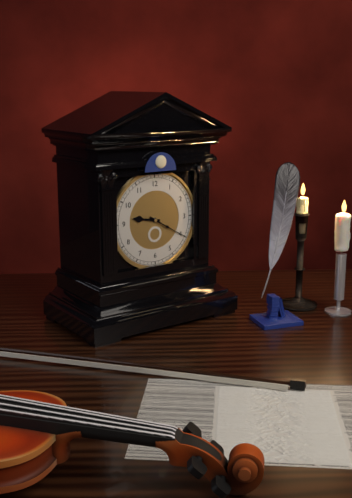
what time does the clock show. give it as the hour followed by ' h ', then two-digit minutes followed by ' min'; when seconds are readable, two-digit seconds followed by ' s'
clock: 9 h 20 min
